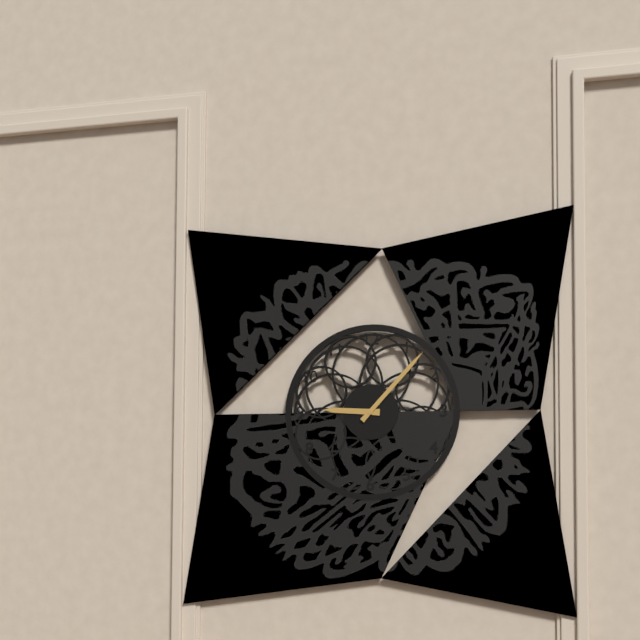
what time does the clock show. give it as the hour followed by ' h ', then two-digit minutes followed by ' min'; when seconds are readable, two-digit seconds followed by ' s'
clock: 9 h 07 min
